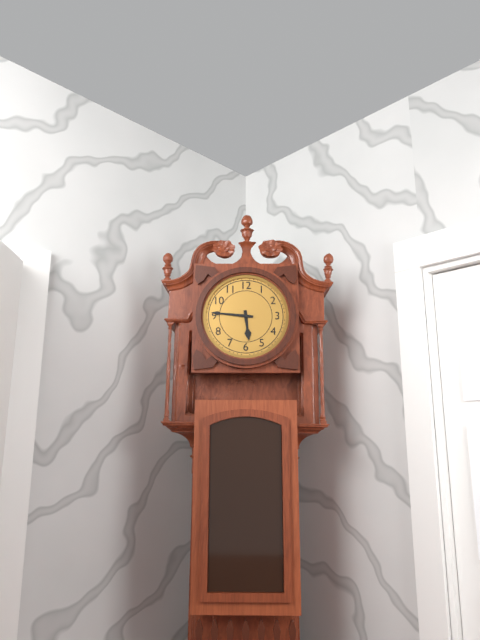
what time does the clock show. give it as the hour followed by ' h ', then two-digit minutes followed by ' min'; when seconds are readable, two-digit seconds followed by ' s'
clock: 5 h 46 min
